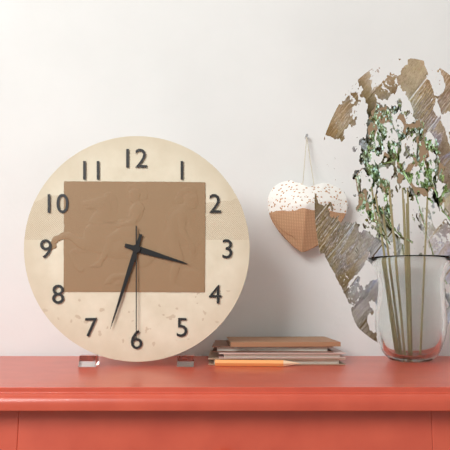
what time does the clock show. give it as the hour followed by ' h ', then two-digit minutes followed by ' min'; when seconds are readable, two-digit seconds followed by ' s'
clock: 3 h 33 min 30 s
